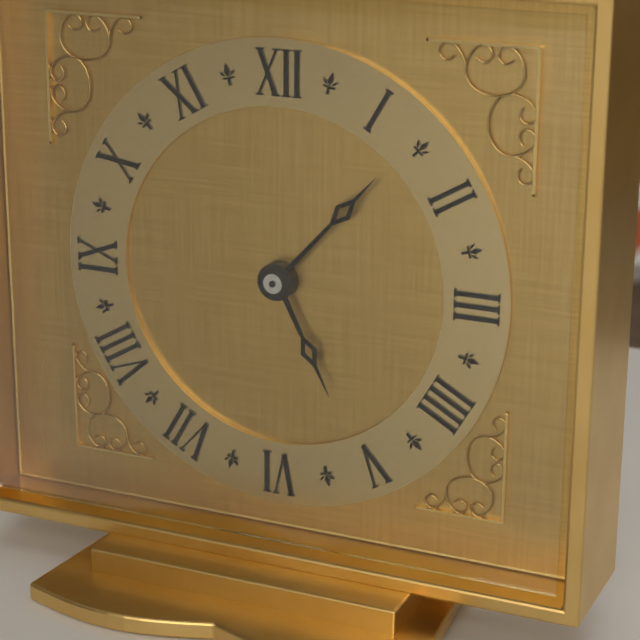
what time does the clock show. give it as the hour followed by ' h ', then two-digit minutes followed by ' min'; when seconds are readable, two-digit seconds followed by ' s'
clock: 5 h 07 min
